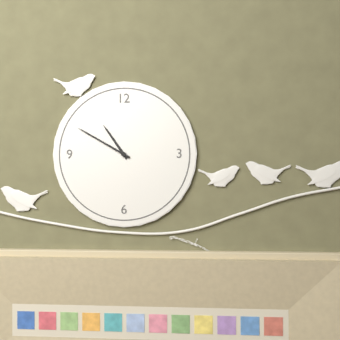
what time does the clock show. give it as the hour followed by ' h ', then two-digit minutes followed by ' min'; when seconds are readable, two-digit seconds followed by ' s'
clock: 10 h 50 min
